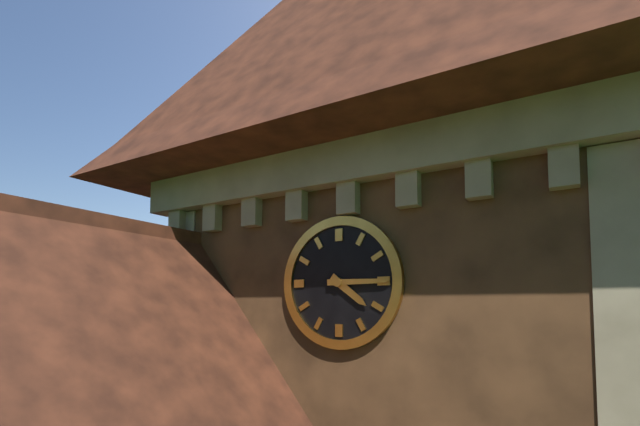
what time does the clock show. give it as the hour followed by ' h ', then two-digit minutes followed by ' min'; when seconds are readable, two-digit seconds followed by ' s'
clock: 4 h 15 min
